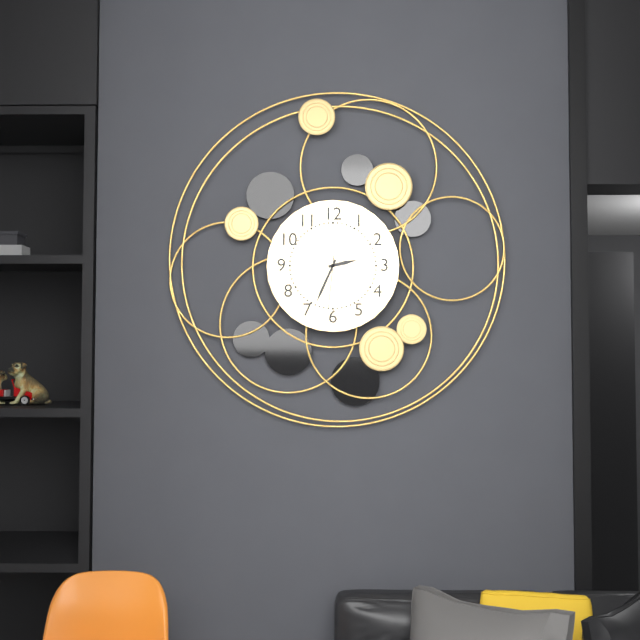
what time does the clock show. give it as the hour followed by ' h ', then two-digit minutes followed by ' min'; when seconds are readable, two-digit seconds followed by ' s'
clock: 2 h 34 min 31 s
